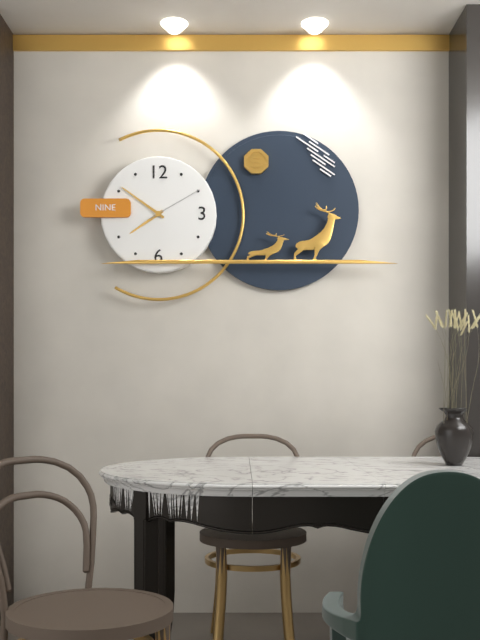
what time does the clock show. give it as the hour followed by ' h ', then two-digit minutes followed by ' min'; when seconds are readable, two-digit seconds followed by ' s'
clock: 7 h 51 min 10 s
